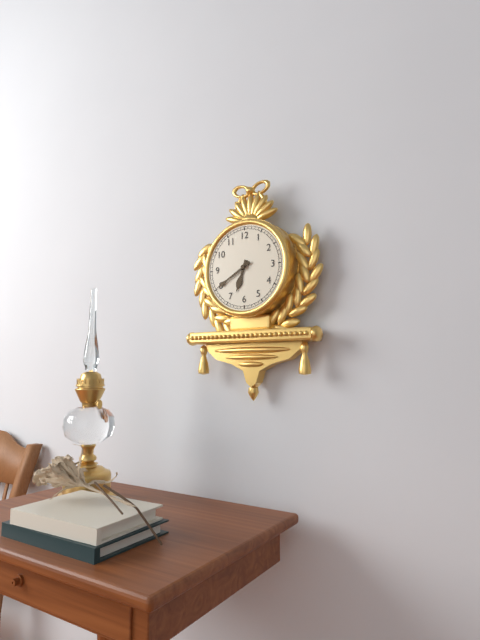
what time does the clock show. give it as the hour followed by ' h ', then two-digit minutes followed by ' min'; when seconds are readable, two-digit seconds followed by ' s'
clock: 6 h 40 min
